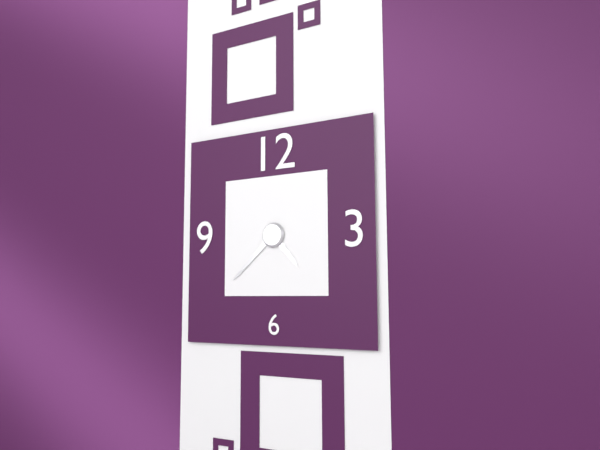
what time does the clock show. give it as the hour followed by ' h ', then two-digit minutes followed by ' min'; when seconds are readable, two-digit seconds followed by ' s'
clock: 4 h 38 min
